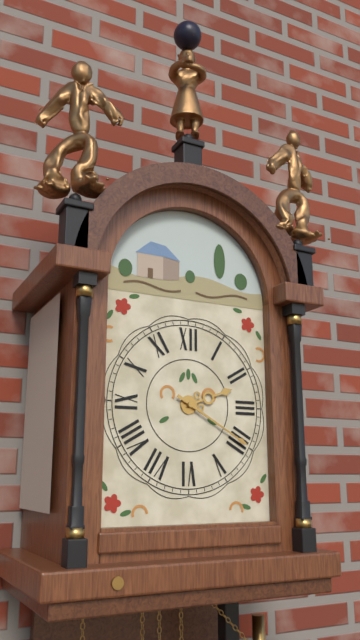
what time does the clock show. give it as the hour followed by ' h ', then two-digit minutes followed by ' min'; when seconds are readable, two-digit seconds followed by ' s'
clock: 2 h 20 min
